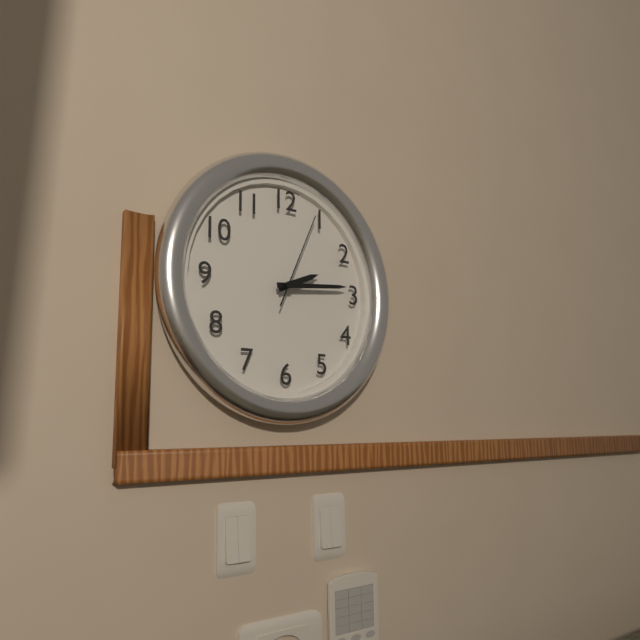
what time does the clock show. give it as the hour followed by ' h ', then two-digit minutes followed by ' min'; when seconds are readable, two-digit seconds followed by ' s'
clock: 2 h 14 min 04 s
